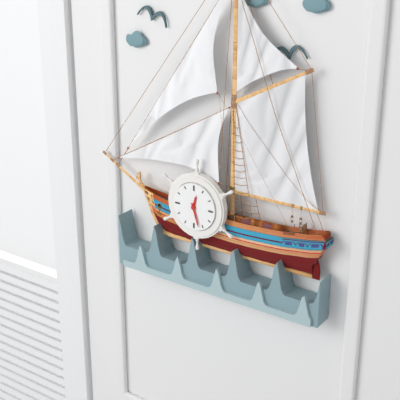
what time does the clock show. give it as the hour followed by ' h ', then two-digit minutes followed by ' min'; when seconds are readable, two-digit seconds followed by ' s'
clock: 12 h 27 min
